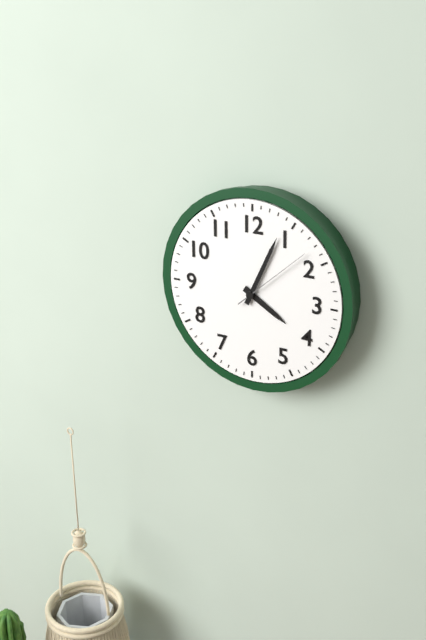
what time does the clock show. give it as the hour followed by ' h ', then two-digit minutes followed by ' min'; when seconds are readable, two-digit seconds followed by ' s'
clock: 4 h 04 min 08 s
